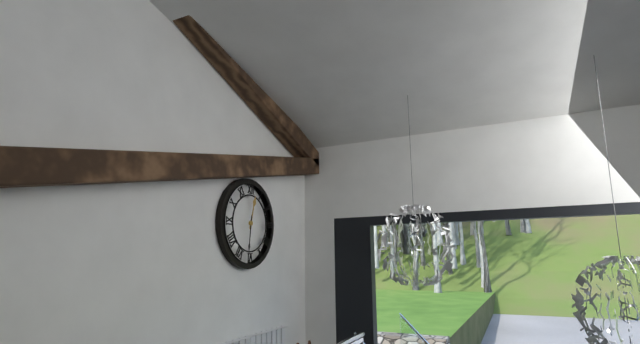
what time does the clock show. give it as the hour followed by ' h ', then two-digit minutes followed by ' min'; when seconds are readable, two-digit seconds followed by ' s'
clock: 12 h 31 min
